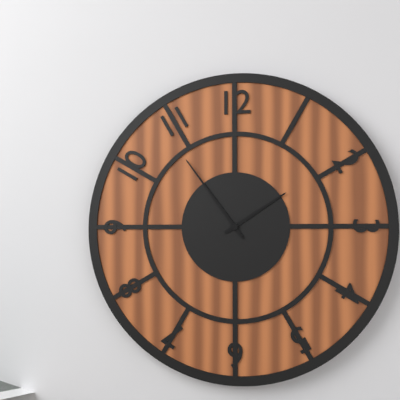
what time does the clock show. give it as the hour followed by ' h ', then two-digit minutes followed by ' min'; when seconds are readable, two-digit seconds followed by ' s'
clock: 1 h 54 min
